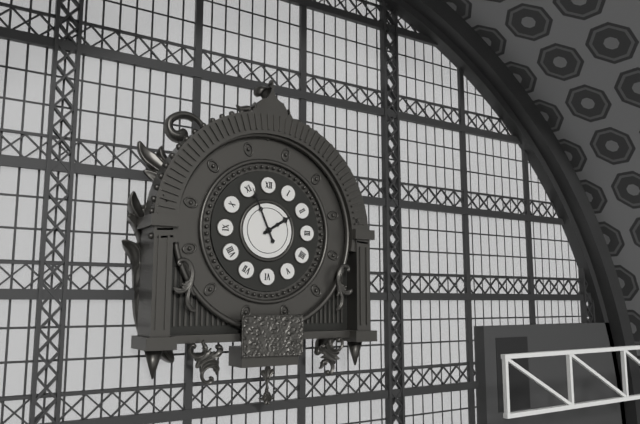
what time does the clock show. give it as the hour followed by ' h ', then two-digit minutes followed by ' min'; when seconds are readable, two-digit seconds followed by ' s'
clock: 1 h 56 min
